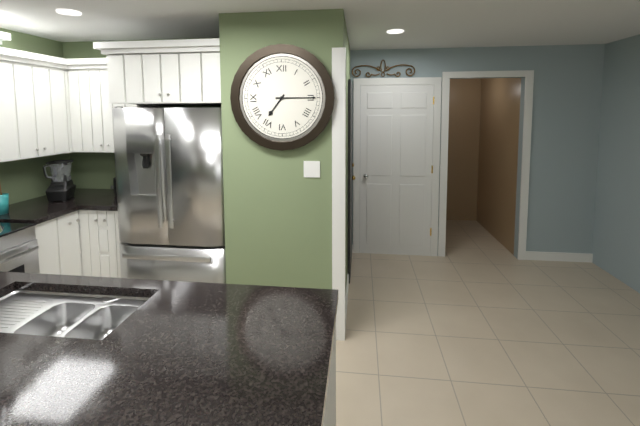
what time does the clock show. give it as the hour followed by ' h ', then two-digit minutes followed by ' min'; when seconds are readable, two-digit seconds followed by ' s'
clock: 7 h 15 min
